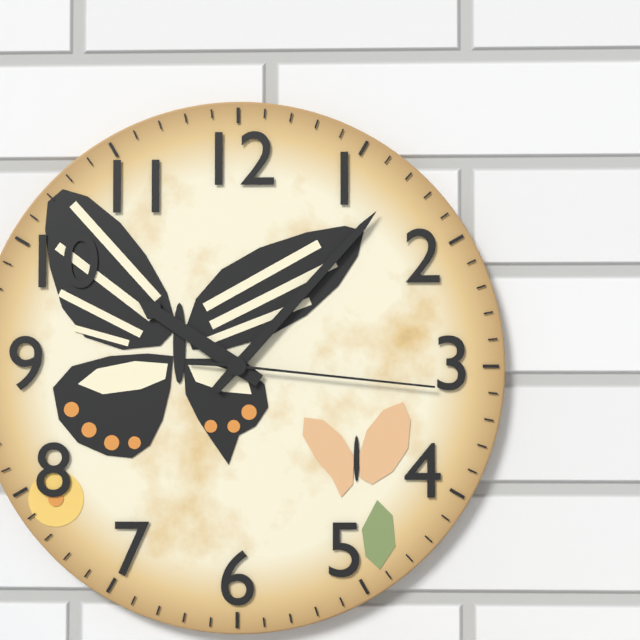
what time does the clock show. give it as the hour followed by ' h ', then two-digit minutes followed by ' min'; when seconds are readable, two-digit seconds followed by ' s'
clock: 10 h 07 min 16 s
